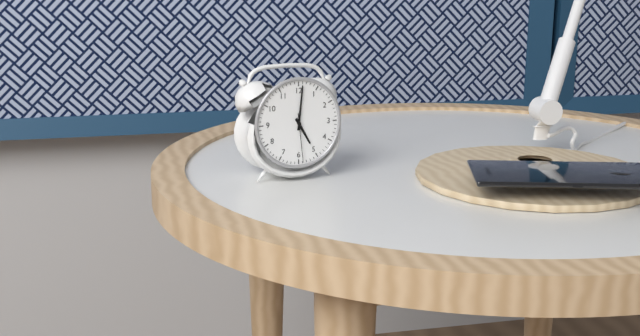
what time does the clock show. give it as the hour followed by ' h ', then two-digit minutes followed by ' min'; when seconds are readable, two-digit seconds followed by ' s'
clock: 5 h 01 min 29 s
